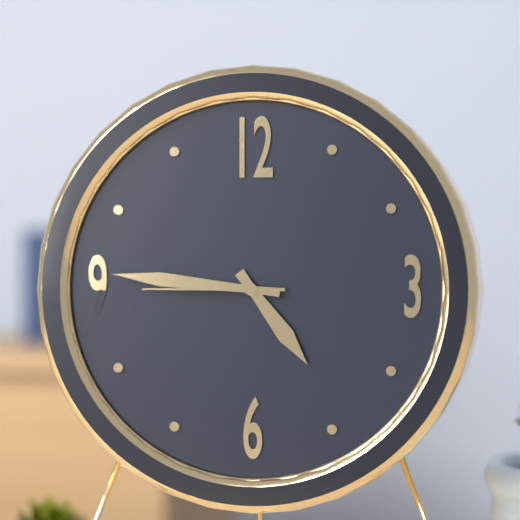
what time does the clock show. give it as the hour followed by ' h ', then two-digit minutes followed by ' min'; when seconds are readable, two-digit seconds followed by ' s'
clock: 4 h 46 min 45 s
